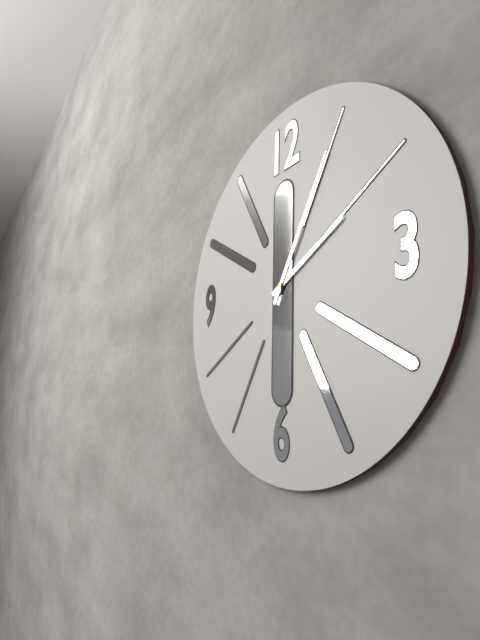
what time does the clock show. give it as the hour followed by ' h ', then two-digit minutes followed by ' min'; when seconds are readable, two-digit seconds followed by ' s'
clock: 2 h 05 min
